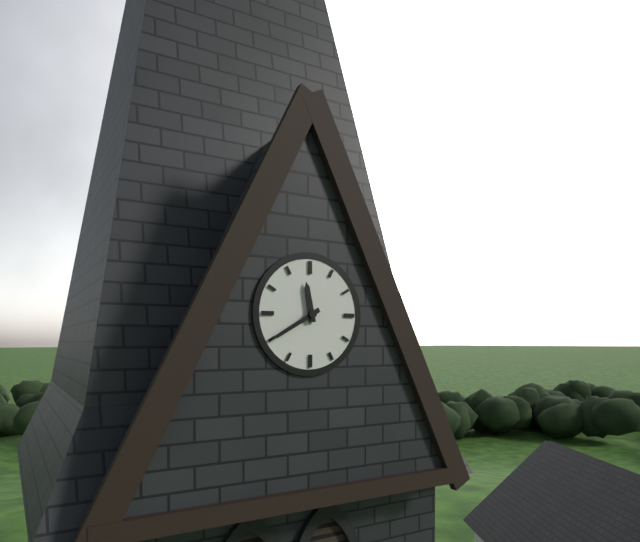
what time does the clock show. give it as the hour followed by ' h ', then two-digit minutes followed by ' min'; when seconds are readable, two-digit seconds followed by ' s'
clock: 11 h 40 min
